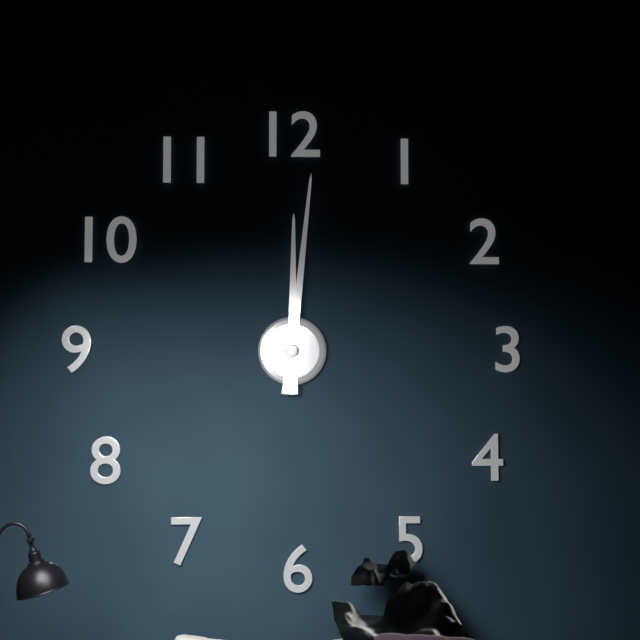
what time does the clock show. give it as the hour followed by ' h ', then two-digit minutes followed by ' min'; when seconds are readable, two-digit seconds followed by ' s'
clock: 12 h 01 min
